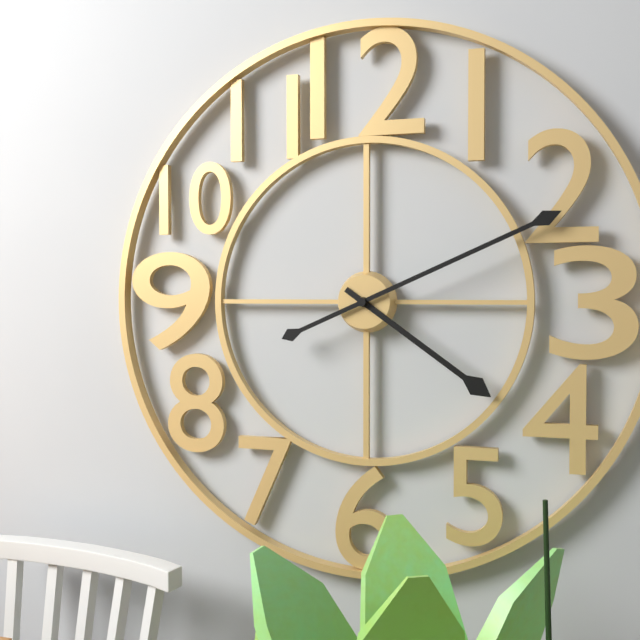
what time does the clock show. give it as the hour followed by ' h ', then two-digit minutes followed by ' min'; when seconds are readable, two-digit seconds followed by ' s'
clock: 4 h 11 min
